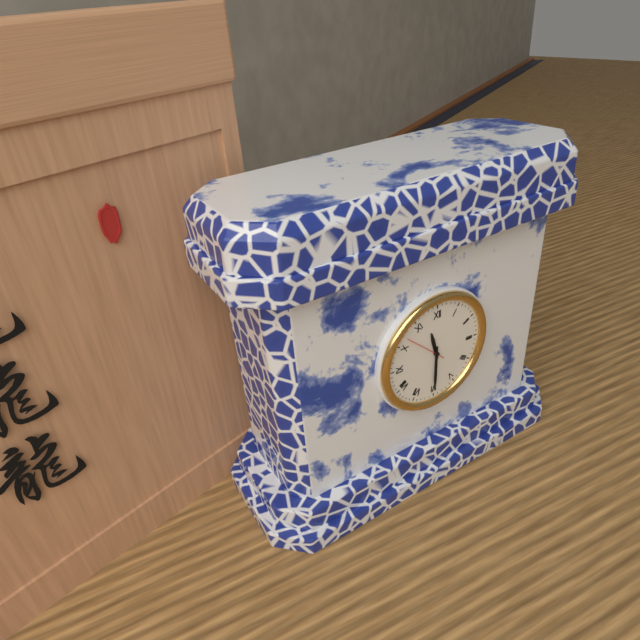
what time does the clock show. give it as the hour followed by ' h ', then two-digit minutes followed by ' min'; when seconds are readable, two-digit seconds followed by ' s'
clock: 11 h 30 min
